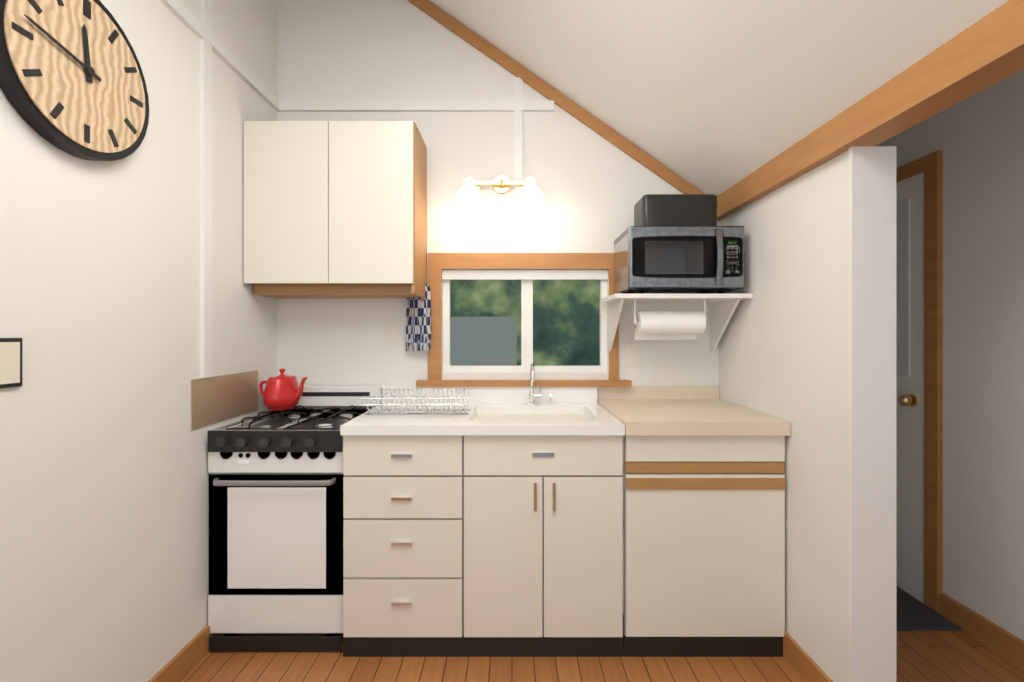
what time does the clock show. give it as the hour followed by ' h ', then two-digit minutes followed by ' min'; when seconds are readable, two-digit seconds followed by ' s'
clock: 11 h 47 min
